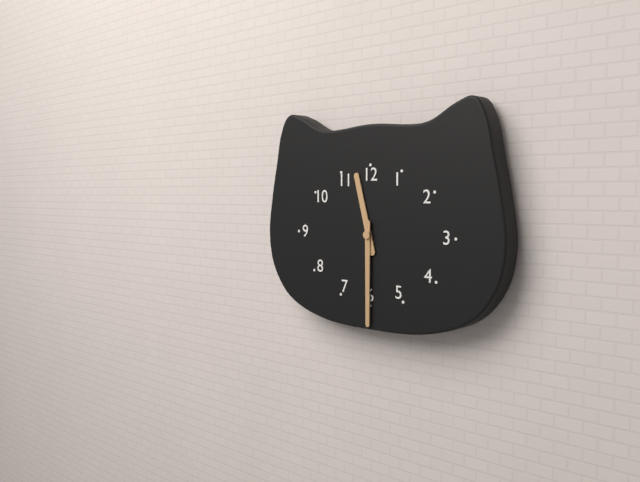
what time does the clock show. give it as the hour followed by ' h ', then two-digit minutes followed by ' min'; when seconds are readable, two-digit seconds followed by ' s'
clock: 11 h 30 min
